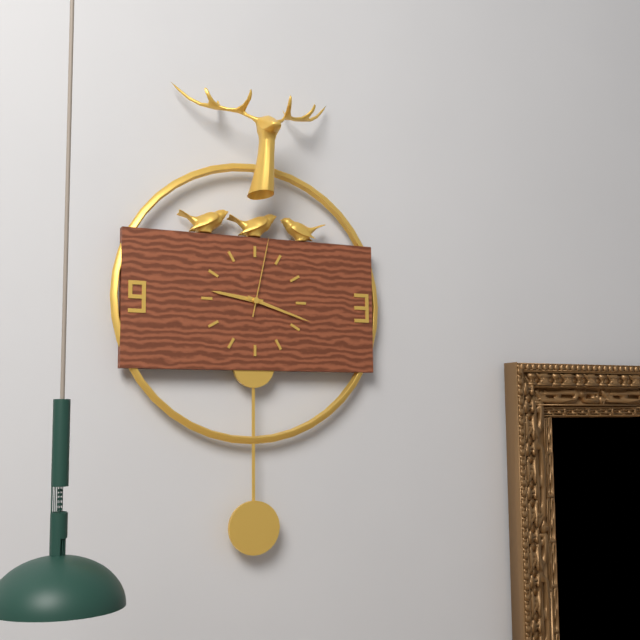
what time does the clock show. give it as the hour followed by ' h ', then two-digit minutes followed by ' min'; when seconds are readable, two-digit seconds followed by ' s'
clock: 9 h 18 min 02 s
